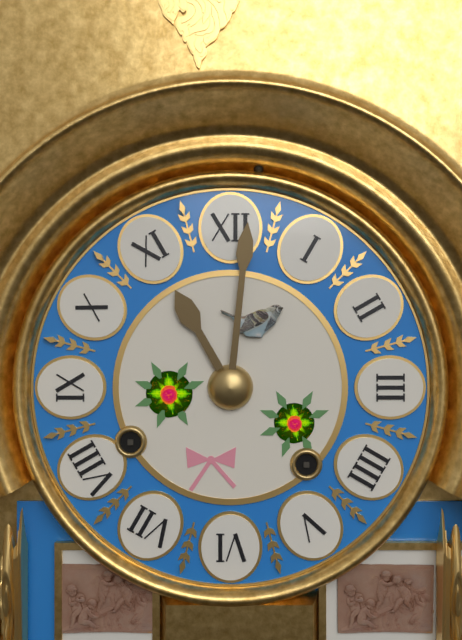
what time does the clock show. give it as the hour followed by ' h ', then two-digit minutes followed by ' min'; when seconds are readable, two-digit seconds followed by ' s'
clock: 11 h 01 min
